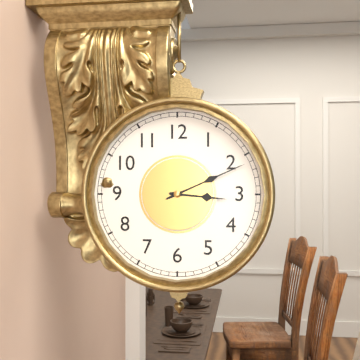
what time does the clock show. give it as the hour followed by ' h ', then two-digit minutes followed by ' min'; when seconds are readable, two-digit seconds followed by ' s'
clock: 3 h 11 min
